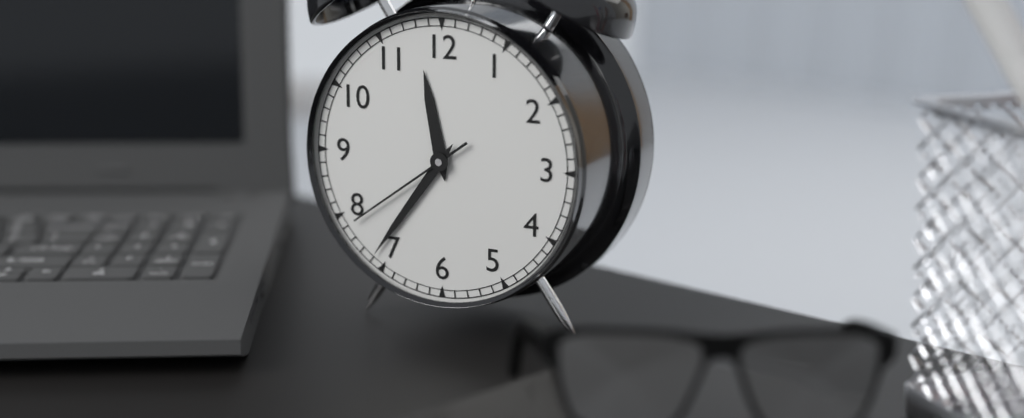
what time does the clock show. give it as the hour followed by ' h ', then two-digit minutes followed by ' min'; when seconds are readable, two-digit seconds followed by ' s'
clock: 11 h 36 min 39 s
